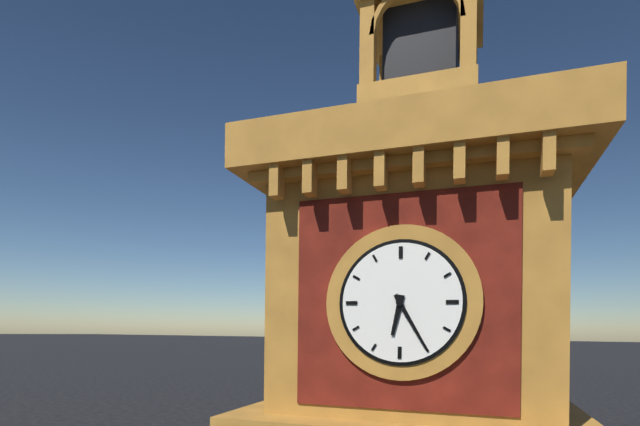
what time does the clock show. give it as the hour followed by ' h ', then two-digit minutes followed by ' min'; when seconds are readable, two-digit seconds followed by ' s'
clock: 6 h 25 min
